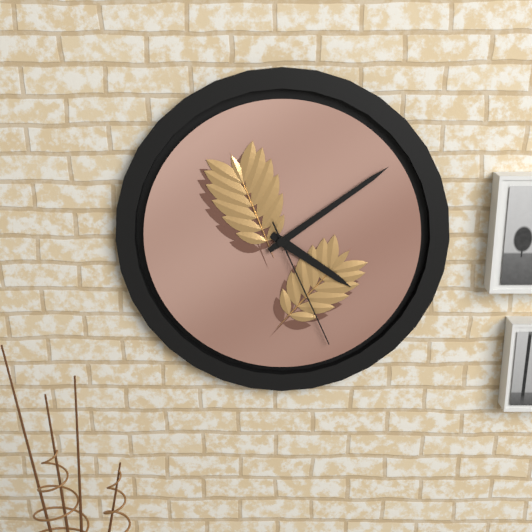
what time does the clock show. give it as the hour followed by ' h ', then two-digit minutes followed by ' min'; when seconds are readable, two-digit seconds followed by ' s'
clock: 4 h 09 min 26 s
